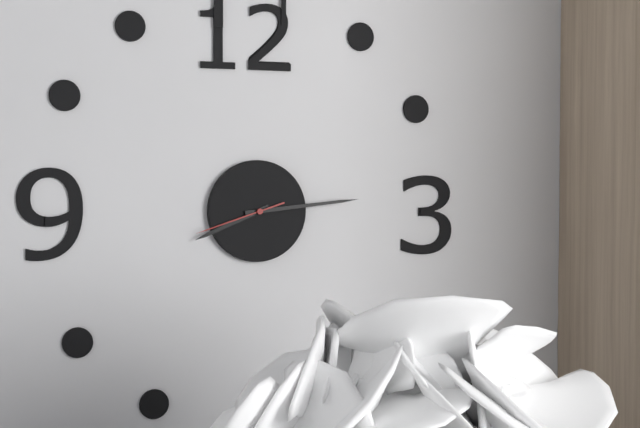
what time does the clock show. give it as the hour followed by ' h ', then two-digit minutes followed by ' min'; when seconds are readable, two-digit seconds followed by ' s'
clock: 8 h 14 min 42 s
